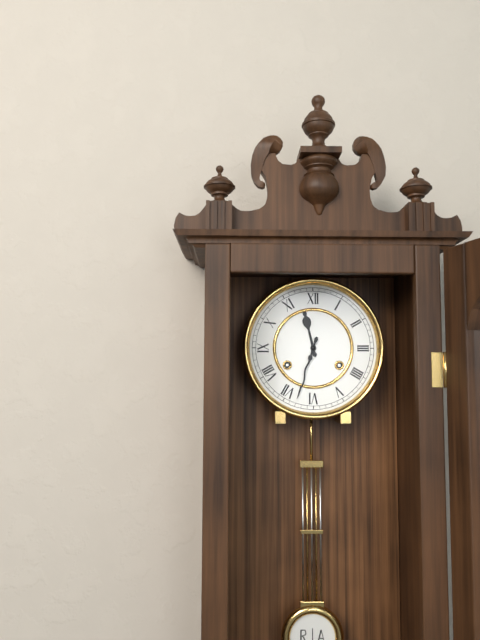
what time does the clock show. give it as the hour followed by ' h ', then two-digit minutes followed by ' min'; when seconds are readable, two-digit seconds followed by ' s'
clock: 11 h 33 min
